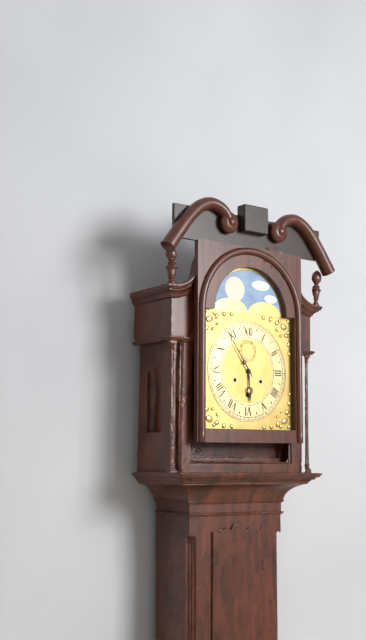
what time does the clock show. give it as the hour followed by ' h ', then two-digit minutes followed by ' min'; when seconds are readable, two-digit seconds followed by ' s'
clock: 5 h 54 min
